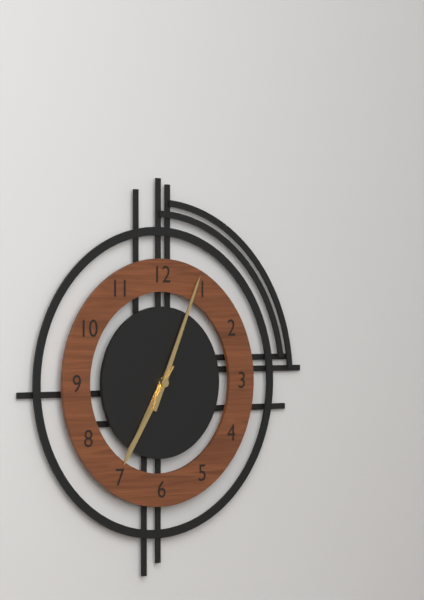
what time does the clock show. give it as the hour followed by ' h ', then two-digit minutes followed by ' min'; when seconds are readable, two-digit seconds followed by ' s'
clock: 7 h 04 min 36 s
